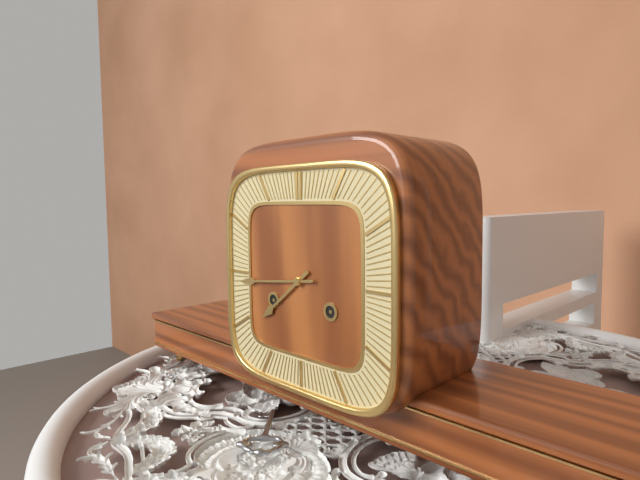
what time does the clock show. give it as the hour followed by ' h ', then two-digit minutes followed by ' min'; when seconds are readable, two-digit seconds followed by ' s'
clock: 7 h 44 min
